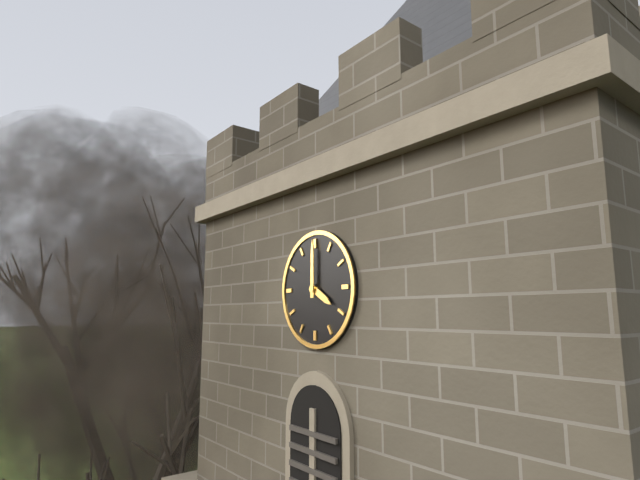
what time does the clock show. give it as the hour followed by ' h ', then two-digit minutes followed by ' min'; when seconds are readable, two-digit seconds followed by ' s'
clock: 4 h 00 min
